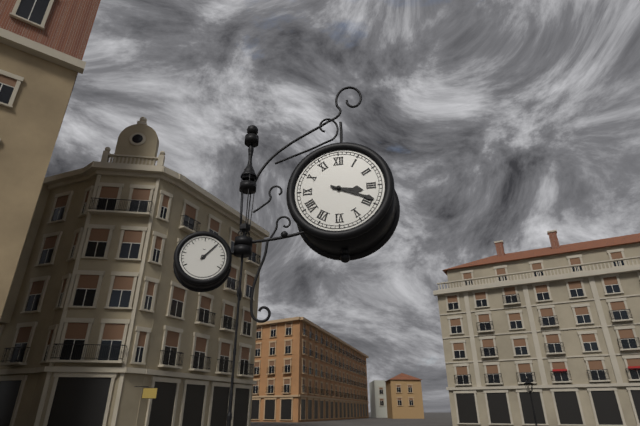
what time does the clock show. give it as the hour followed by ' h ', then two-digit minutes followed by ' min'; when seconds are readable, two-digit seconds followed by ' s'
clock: 3 h 19 min
